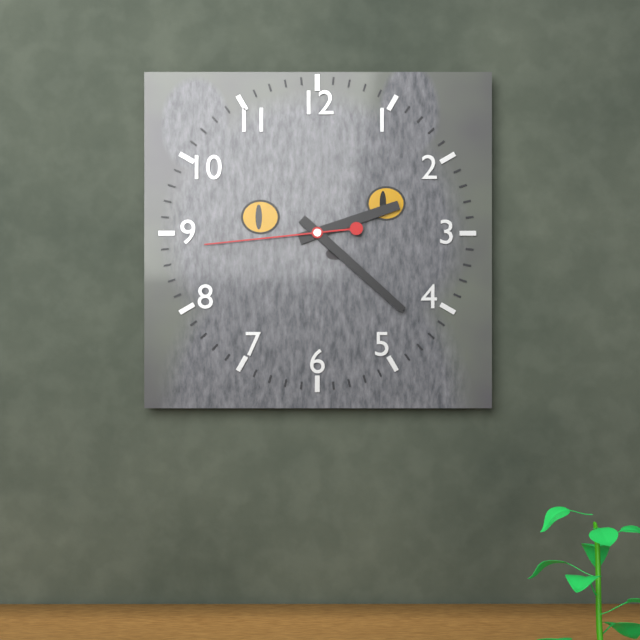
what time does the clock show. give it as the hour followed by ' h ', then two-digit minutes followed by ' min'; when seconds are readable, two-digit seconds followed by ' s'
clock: 2 h 22 min 44 s
